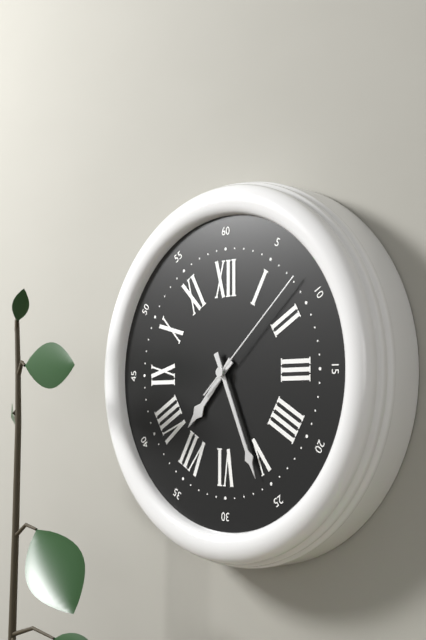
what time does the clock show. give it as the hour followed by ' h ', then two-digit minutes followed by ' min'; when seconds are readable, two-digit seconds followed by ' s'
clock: 7 h 26 min 08 s
